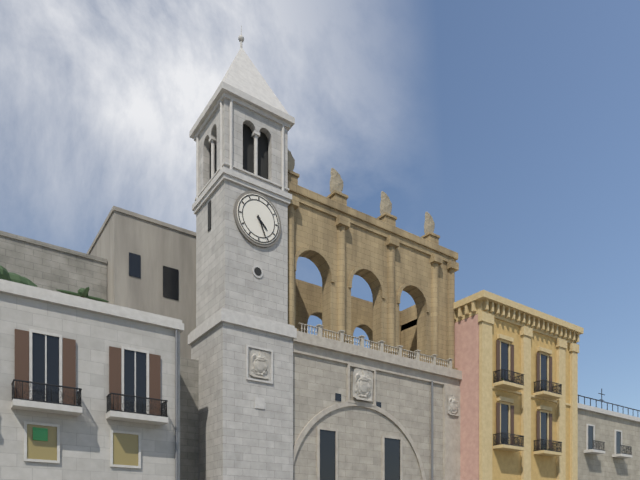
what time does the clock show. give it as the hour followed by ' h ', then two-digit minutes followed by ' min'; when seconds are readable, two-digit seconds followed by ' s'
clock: 4 h 26 min
